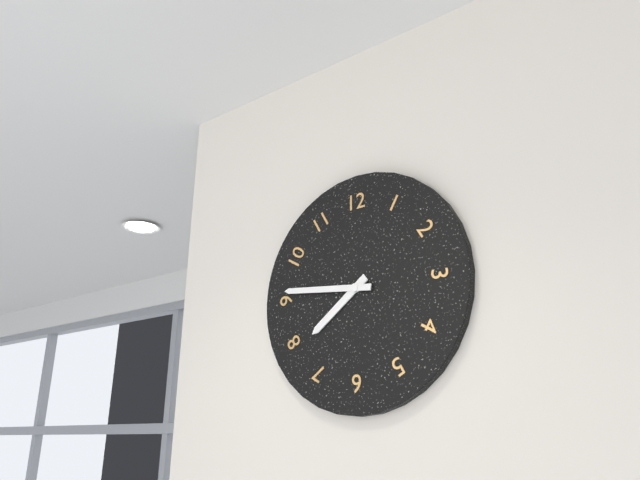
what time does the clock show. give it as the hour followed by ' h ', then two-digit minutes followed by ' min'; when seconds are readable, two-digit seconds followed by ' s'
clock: 7 h 46 min
